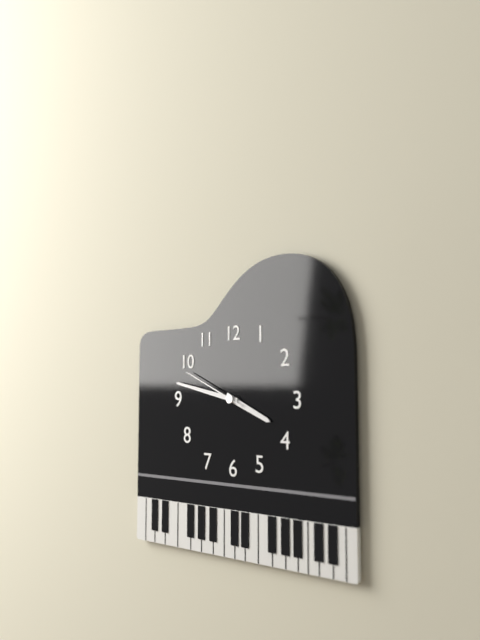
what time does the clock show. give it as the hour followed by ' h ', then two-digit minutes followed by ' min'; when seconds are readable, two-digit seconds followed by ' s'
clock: 3 h 47 min 49 s
